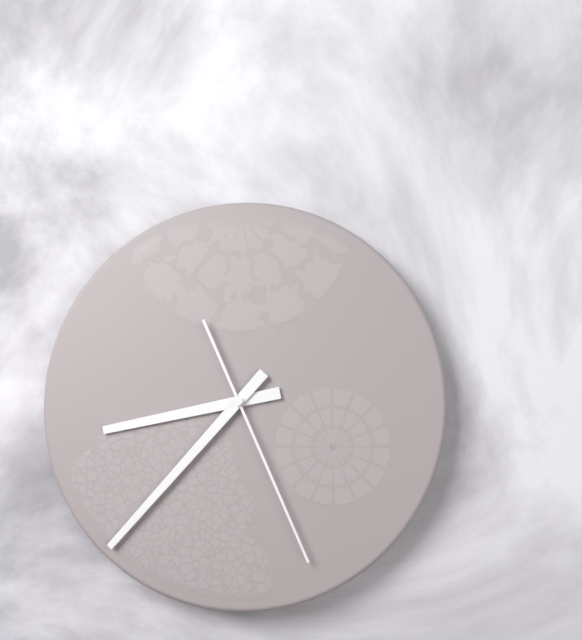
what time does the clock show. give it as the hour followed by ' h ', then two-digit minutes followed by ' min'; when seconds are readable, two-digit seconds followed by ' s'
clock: 8 h 37 min 26 s
